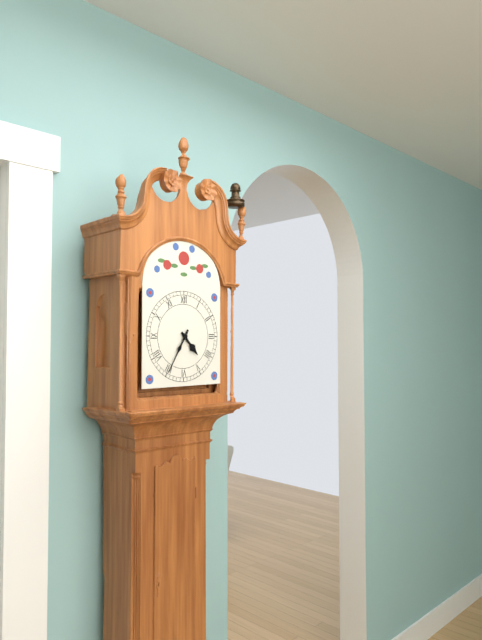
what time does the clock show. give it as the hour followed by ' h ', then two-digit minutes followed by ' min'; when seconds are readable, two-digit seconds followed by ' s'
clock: 4 h 35 min
